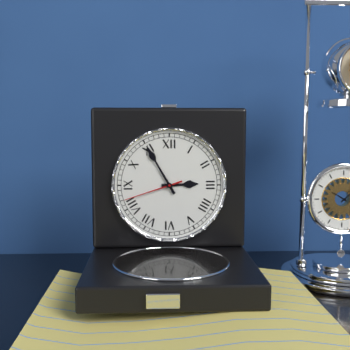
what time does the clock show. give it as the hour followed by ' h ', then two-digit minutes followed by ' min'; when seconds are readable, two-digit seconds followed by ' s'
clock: 2 h 55 min 42 s
